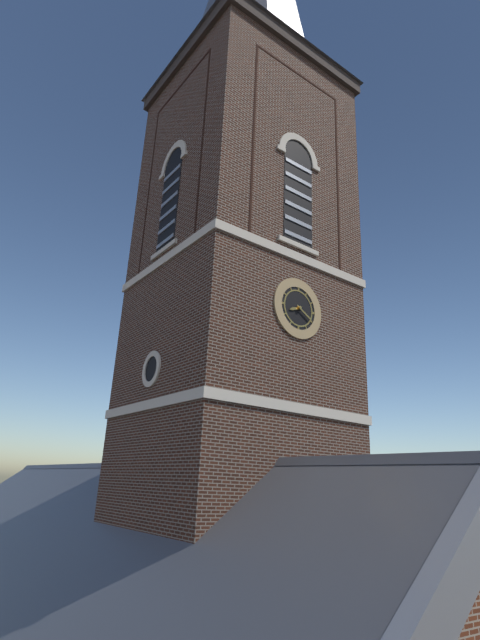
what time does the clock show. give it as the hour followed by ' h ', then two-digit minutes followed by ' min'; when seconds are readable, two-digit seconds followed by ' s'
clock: 8 h 20 min
